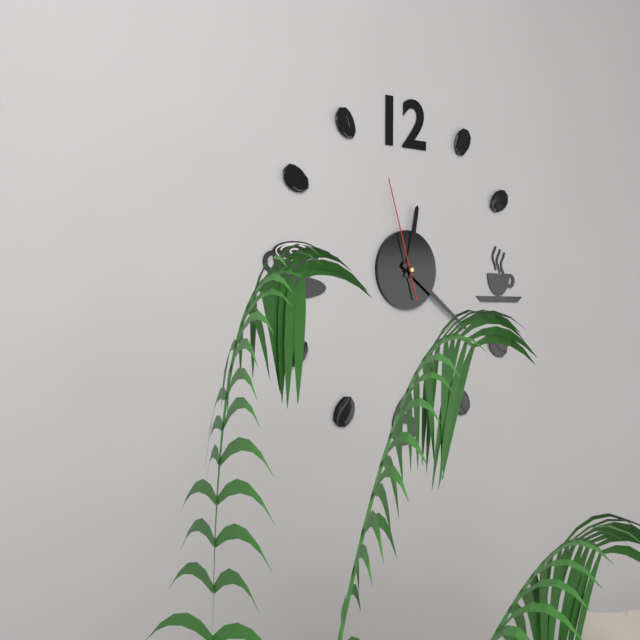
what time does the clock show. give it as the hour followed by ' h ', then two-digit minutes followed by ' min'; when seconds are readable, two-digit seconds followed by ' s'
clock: 12 h 21 min 57 s
